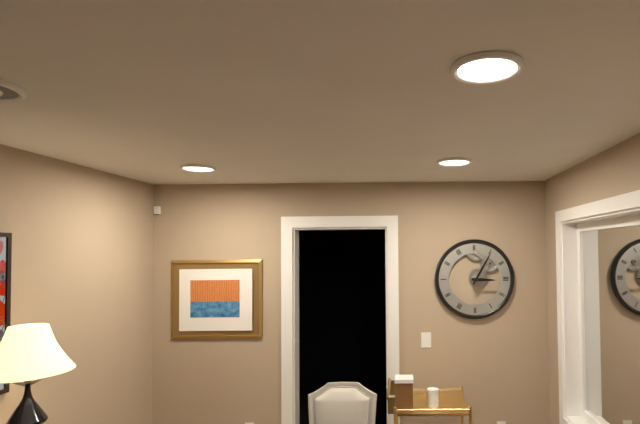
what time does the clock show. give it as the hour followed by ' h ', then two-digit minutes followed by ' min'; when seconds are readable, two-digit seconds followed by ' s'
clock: 3 h 05 min
